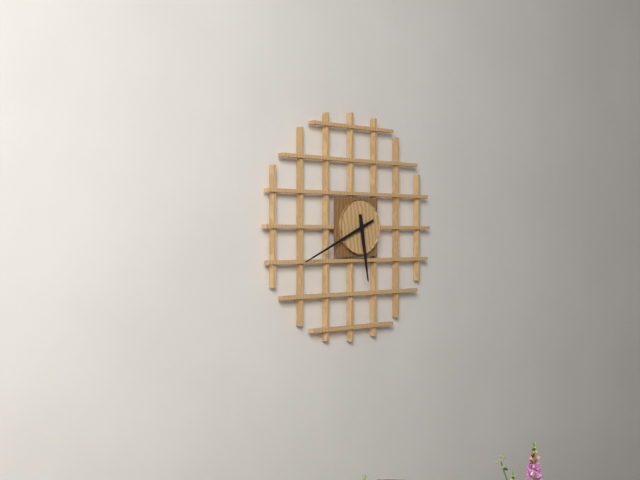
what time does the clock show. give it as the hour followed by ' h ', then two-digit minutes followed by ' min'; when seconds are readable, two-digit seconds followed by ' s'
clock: 5 h 41 min
